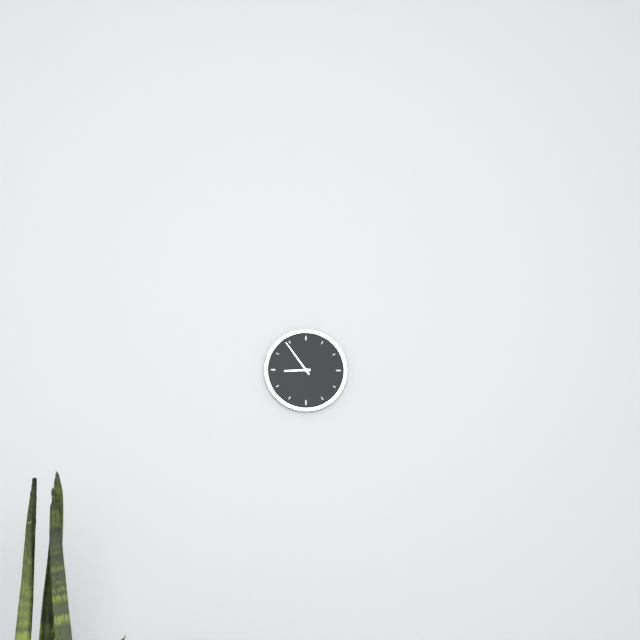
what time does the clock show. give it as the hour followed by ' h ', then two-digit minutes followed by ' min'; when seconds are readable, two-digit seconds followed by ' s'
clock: 8 h 54 min
